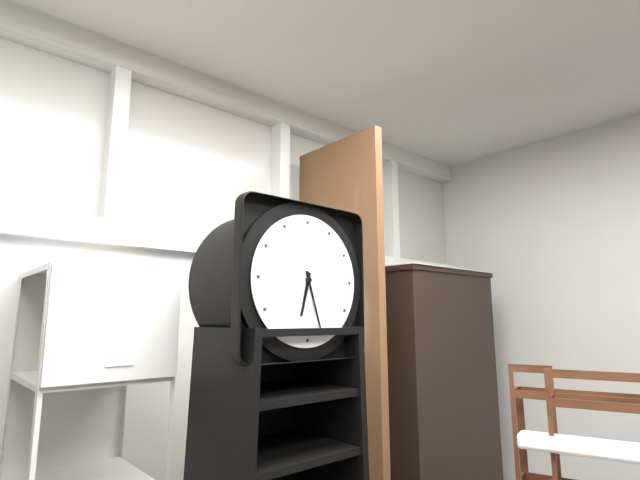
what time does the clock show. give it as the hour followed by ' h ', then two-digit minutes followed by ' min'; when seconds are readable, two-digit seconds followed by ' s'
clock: 6 h 27 min
